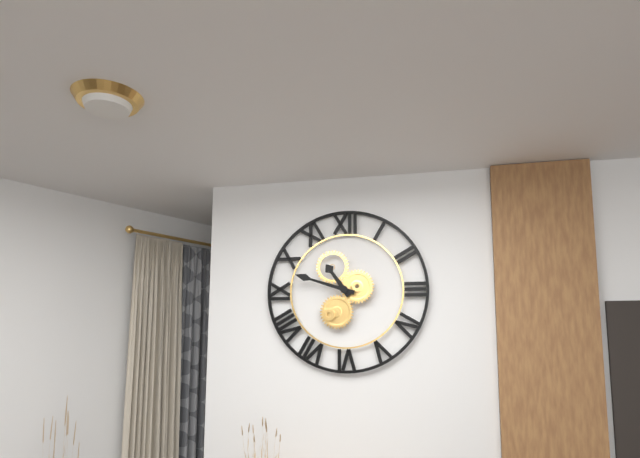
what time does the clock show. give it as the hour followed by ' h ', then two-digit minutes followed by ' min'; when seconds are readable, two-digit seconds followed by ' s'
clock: 10 h 48 min
